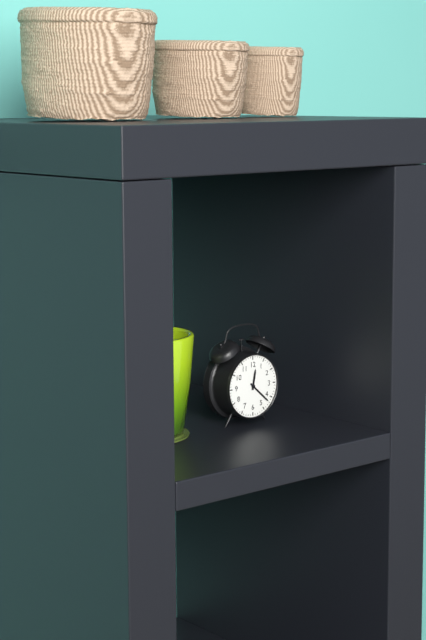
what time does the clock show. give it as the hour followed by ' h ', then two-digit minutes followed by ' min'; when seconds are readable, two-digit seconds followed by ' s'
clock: 12 h 22 min
